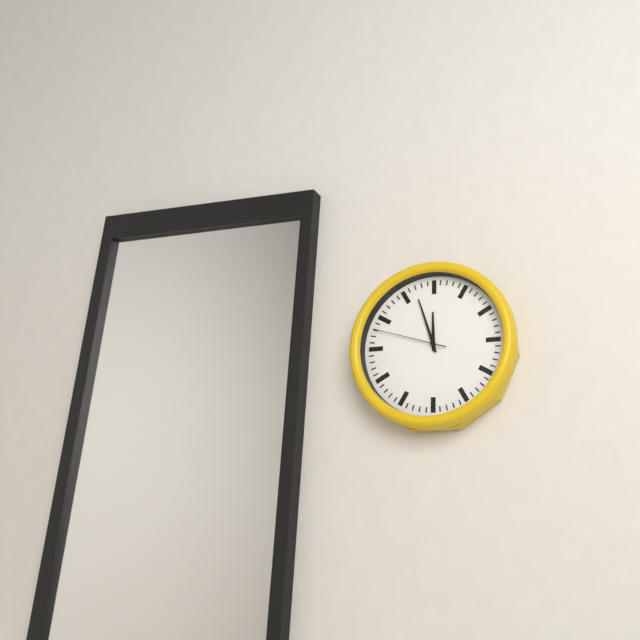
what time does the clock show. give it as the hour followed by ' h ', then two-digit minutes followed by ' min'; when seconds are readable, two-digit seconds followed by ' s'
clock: 11 h 57 min 48 s
